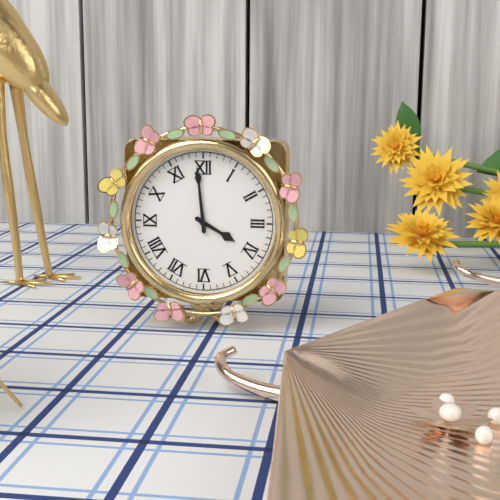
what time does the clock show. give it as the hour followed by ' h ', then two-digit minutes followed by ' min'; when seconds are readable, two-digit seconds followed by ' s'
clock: 3 h 59 min
